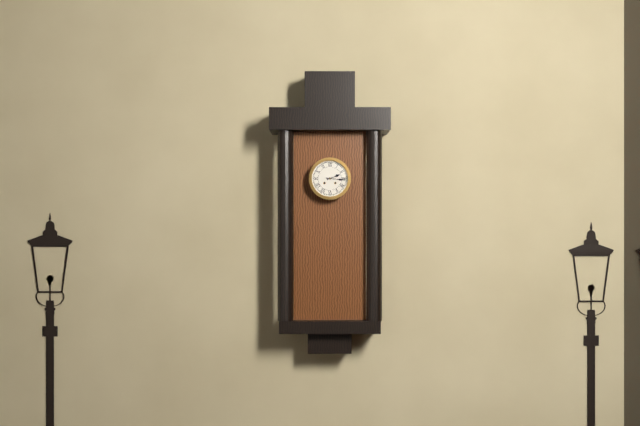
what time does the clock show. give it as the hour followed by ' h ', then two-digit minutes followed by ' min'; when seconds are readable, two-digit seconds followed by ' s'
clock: 2 h 16 min
